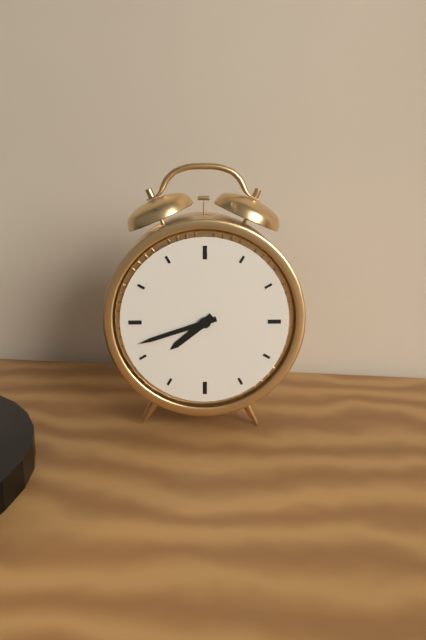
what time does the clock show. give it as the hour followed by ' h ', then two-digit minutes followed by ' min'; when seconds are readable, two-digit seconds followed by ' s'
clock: 7 h 42 min
